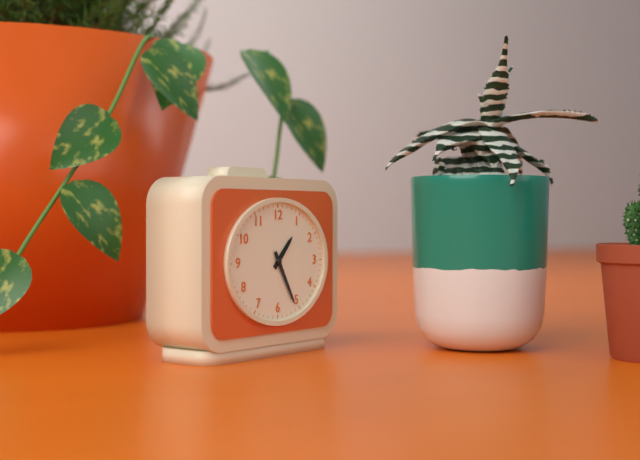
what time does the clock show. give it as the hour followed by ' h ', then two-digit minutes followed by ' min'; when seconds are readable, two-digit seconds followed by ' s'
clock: 1 h 25 min
